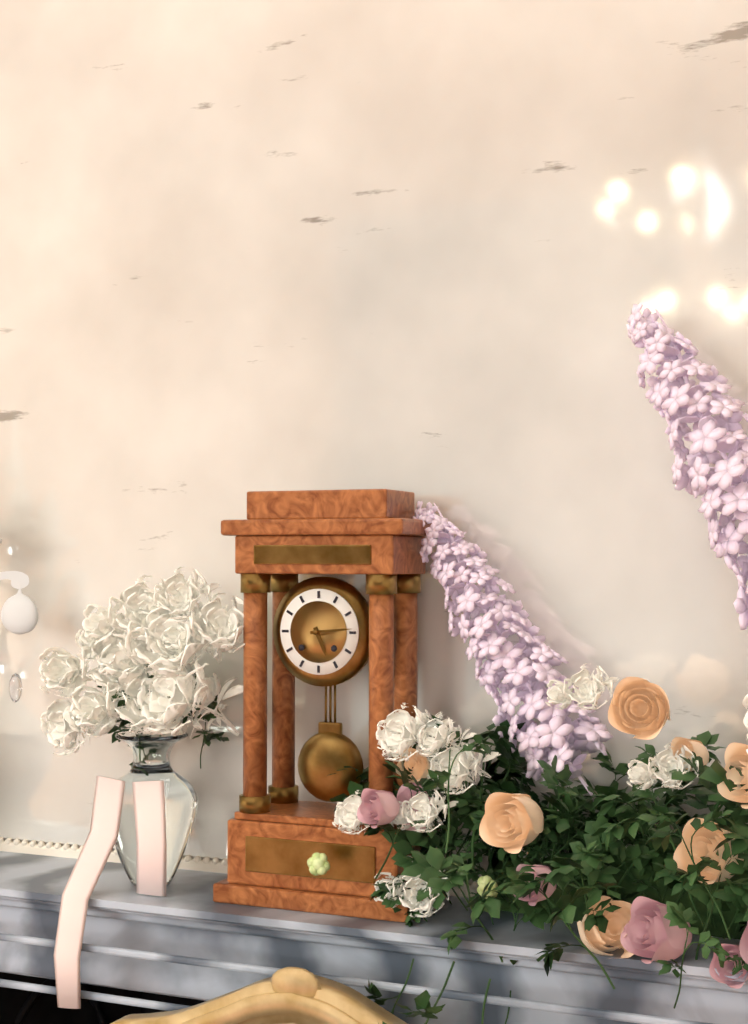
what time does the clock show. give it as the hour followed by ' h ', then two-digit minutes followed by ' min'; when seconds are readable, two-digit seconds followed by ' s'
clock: 5 h 14 min
